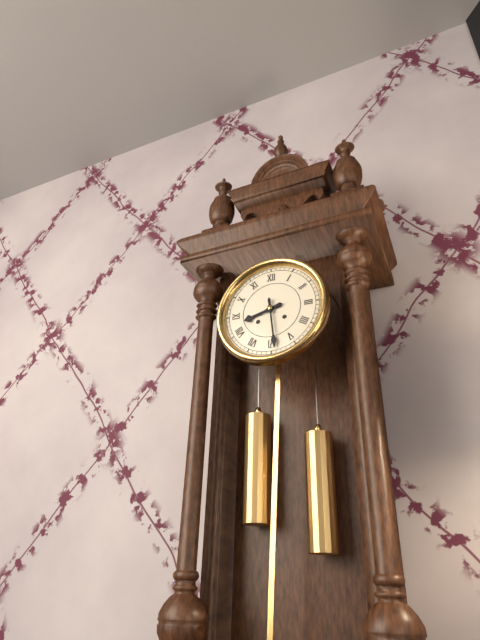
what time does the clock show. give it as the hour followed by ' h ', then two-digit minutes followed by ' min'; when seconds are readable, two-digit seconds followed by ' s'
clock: 8 h 29 min
